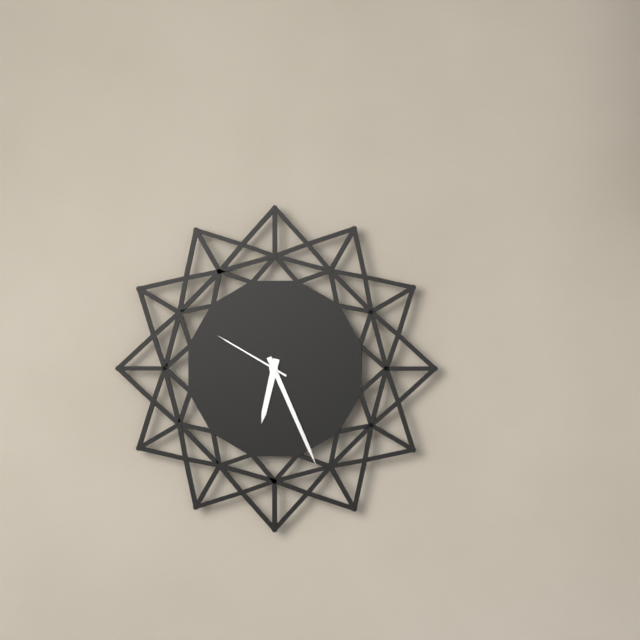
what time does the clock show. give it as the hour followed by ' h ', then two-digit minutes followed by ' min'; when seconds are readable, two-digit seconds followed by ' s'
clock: 6 h 26 min 50 s
